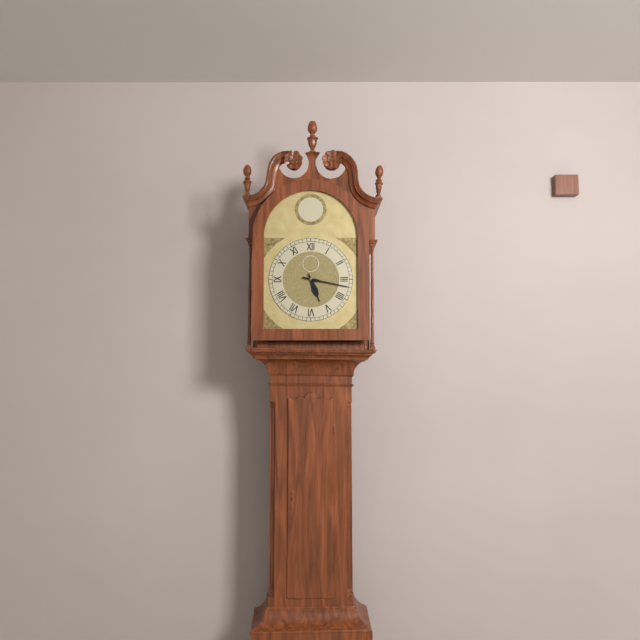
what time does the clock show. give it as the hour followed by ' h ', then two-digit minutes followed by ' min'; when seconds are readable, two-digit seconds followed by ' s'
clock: 5 h 17 min
